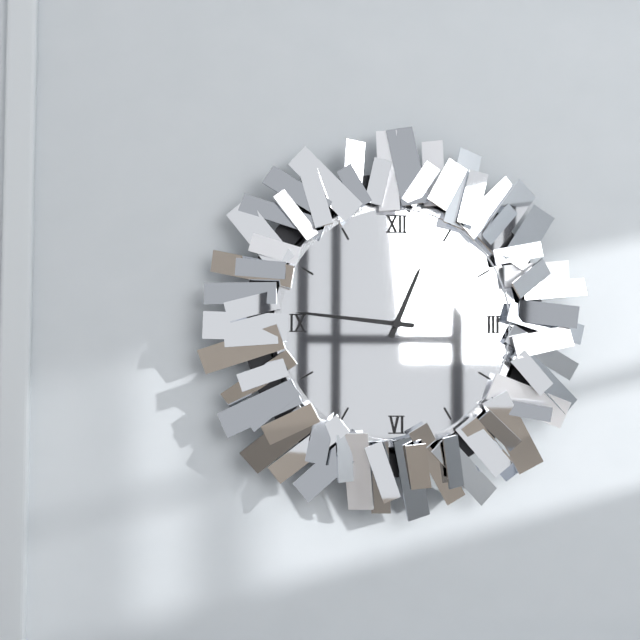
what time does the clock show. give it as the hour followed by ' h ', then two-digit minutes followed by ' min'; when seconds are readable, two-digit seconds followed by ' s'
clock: 12 h 46 min
